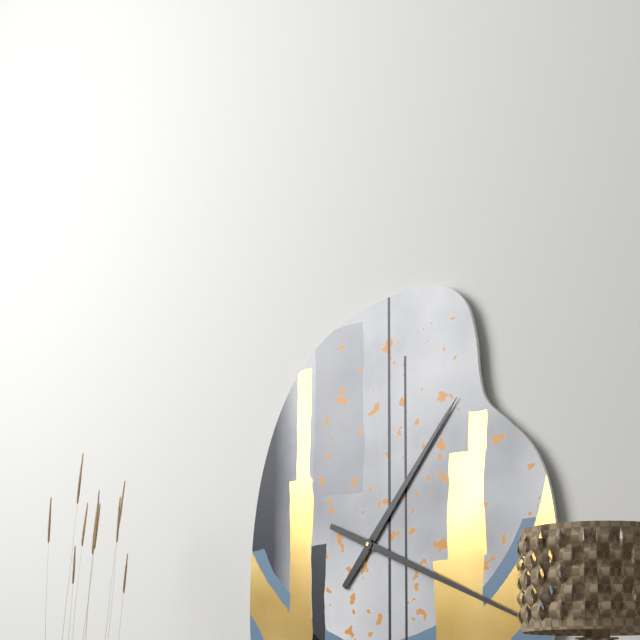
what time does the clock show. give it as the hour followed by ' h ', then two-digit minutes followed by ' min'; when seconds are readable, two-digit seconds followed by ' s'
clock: 1 h 19 min
